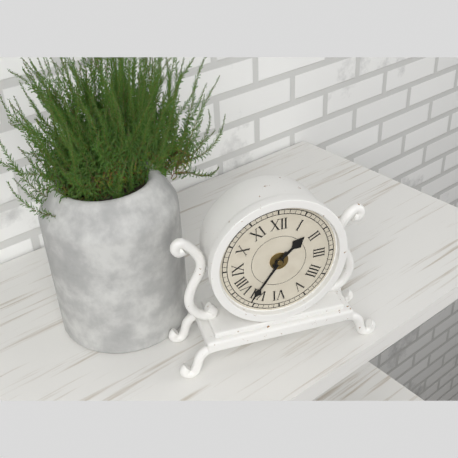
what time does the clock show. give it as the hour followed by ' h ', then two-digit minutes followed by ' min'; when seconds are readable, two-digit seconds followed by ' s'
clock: 1 h 36 min
